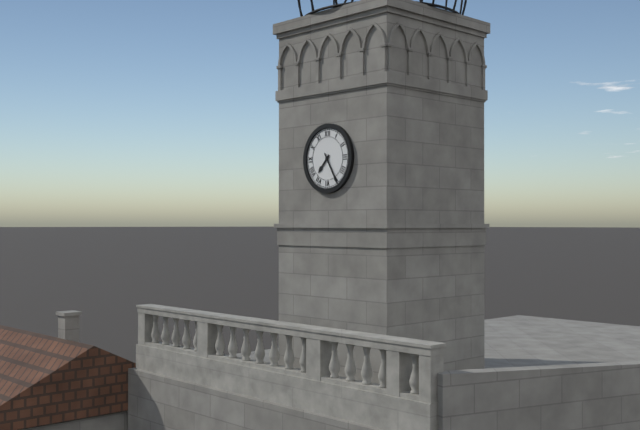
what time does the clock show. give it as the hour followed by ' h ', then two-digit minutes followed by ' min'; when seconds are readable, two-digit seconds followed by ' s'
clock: 7 h 25 min
